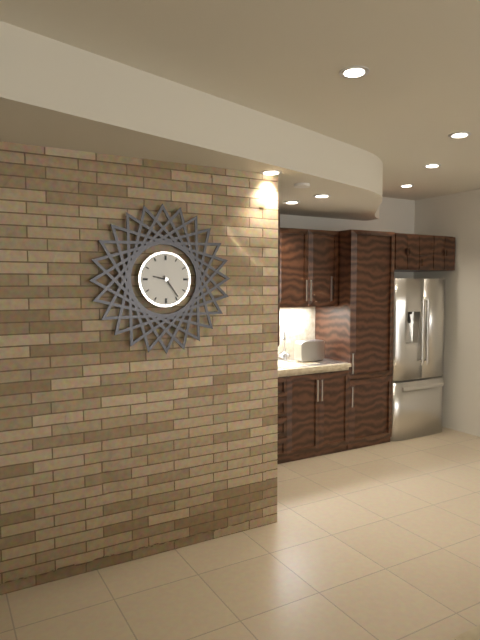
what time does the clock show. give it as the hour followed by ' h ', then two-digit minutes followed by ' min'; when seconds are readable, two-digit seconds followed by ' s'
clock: 9 h 24 min
